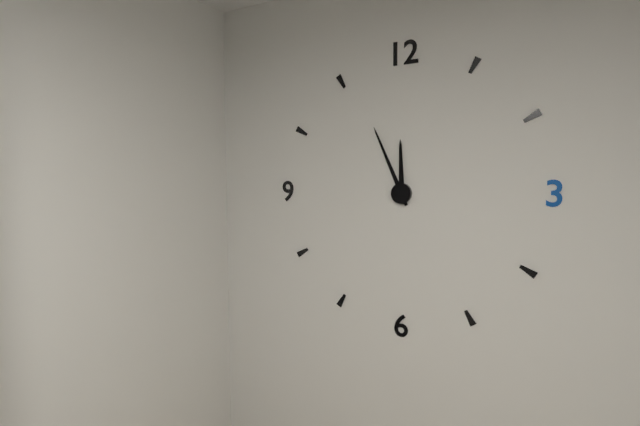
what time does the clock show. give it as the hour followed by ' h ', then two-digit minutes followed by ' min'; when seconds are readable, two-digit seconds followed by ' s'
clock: 11 h 56 min
